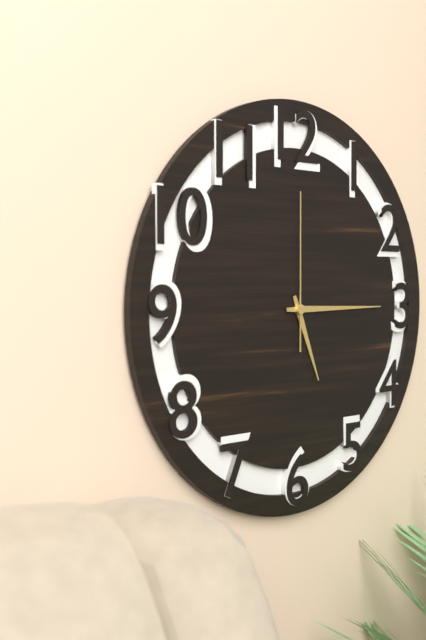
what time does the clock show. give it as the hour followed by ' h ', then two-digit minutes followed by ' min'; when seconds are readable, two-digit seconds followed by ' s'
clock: 5 h 15 min 00 s
